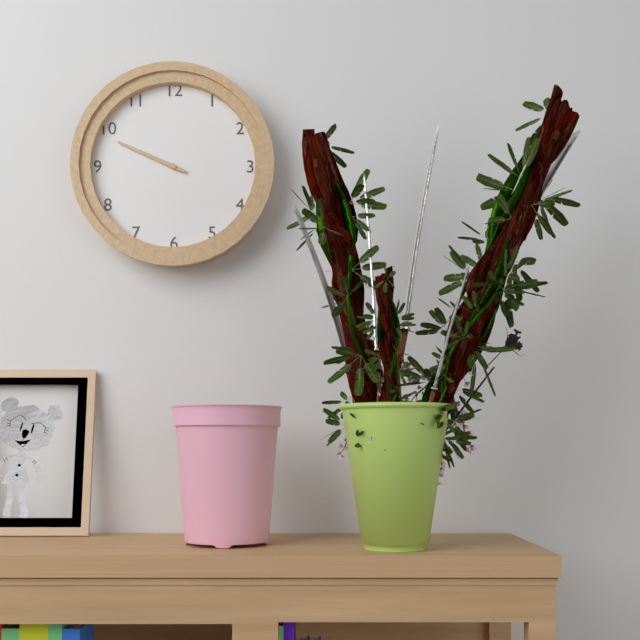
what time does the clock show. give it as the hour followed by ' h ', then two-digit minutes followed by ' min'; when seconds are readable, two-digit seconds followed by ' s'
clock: 9 h 49 min
